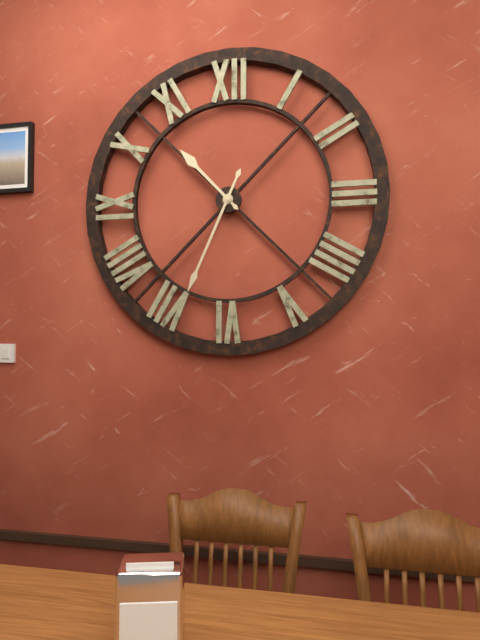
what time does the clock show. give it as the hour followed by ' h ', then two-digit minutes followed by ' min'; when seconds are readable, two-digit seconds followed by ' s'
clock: 10 h 34 min
